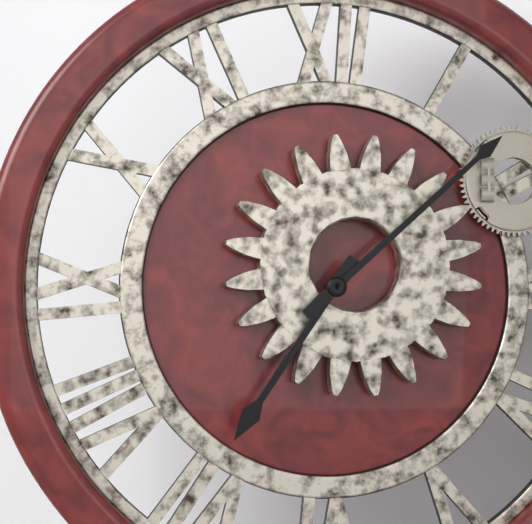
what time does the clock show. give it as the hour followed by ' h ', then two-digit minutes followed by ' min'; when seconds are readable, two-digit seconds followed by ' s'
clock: 7 h 08 min
